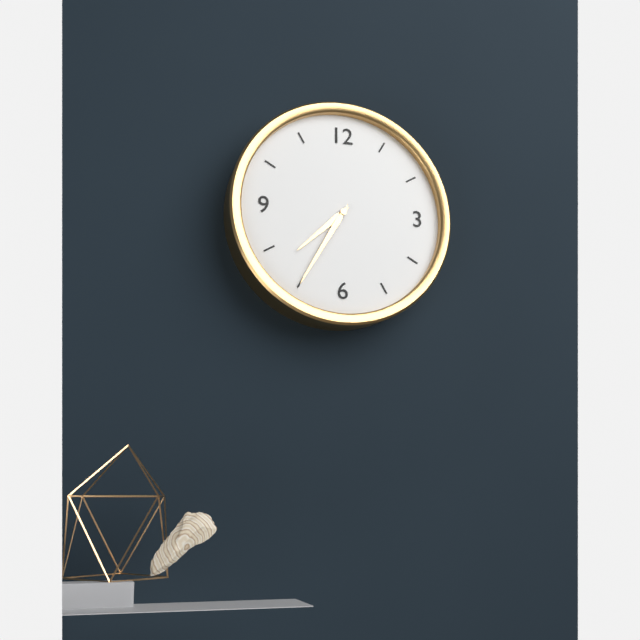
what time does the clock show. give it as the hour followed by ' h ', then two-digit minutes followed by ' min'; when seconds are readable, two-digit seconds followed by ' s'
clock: 7 h 35 min
